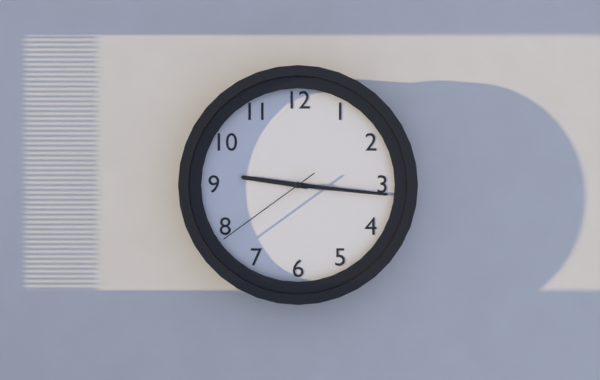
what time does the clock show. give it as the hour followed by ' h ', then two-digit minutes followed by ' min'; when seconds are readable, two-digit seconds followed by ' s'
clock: 9 h 16 min 39 s
